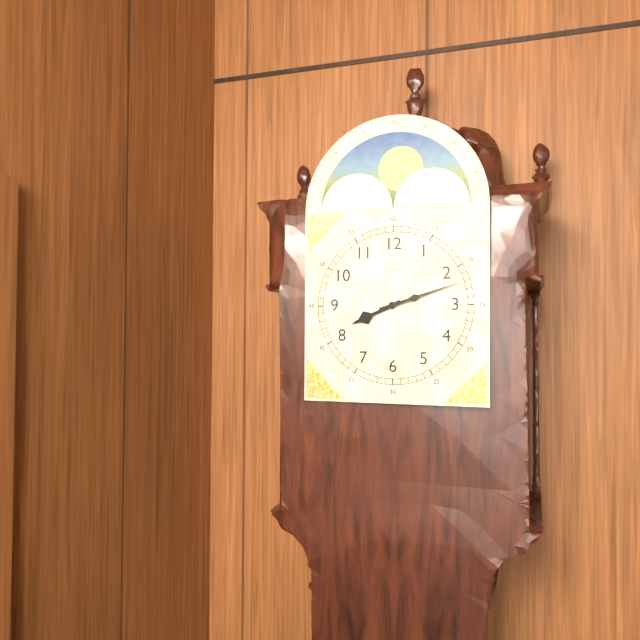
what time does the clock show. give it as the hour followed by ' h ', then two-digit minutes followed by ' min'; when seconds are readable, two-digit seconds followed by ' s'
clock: 8 h 12 min
